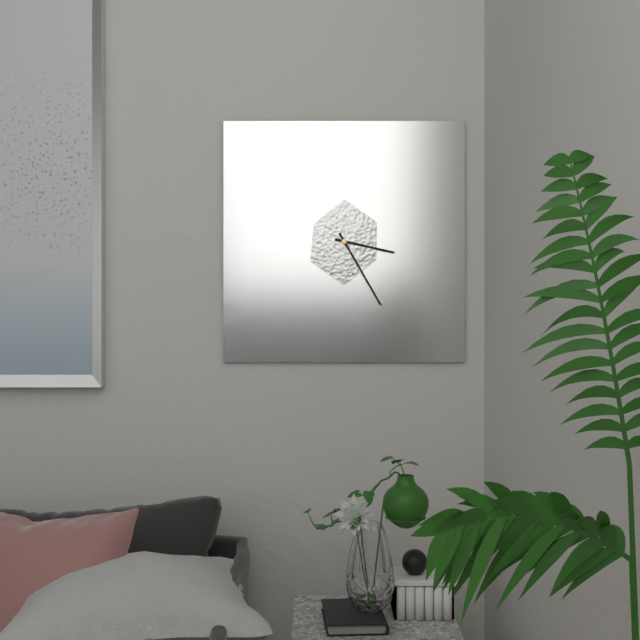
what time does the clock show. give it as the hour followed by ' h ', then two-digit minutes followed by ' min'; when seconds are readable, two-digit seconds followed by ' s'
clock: 3 h 25 min
